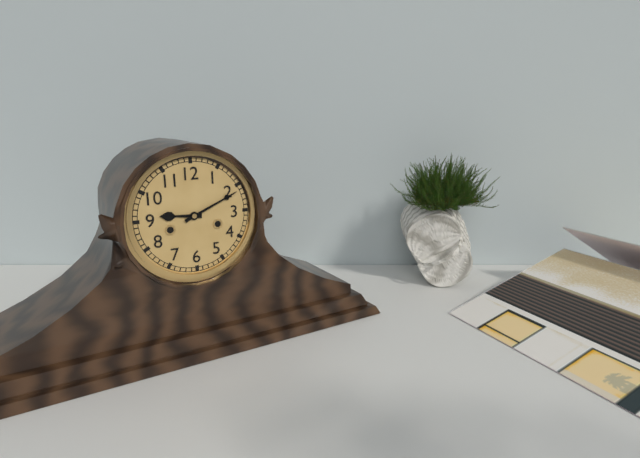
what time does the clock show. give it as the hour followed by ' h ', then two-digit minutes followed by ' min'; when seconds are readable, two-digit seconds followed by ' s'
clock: 9 h 11 min
